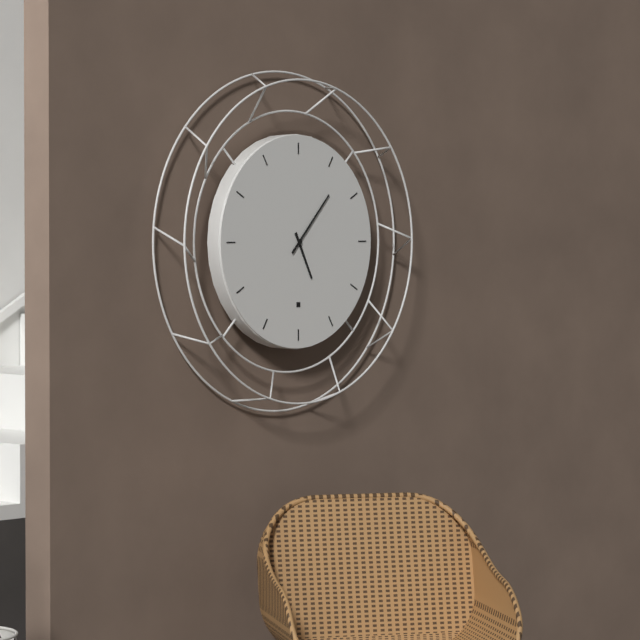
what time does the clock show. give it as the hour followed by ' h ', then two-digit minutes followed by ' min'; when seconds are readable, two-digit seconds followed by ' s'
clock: 5 h 07 min
